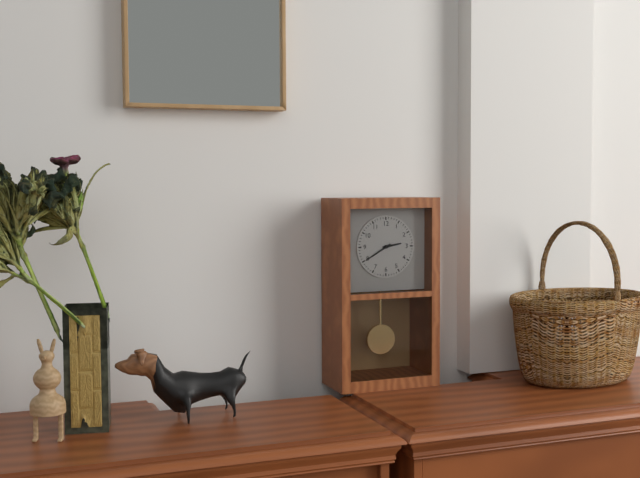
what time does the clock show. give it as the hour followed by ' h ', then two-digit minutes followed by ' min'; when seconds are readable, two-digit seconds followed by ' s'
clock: 2 h 40 min
